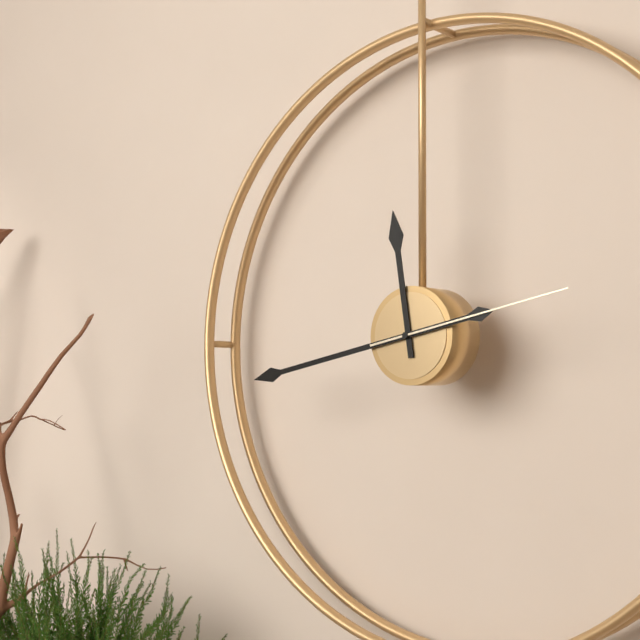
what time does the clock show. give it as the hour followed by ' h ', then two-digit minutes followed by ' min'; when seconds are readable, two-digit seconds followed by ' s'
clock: 11 h 43 min 13 s
